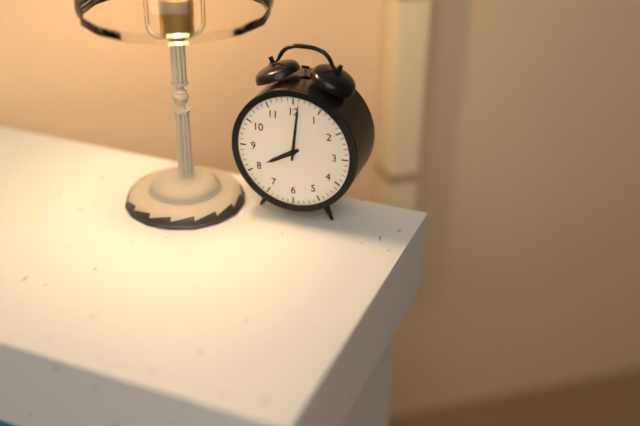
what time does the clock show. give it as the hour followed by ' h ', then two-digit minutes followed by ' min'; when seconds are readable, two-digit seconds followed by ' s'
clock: 8 h 01 min
